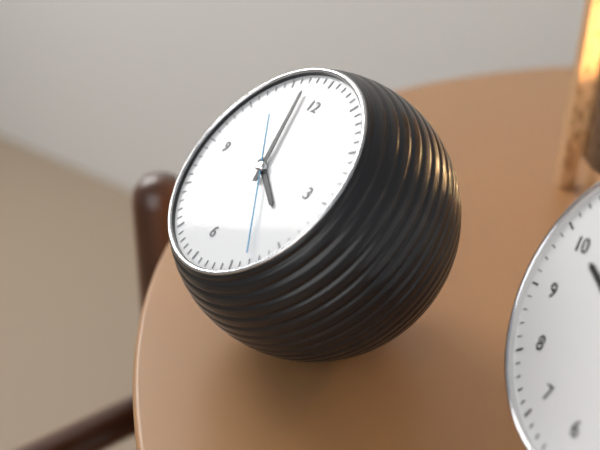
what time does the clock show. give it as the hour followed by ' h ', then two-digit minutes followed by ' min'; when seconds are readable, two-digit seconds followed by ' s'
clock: 3 h 57 min 23 s
